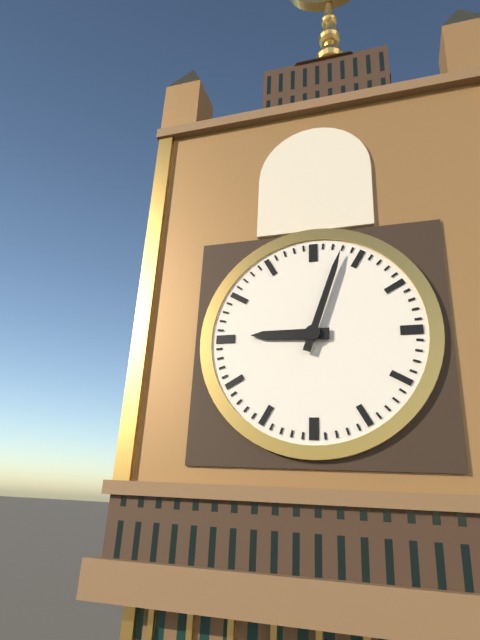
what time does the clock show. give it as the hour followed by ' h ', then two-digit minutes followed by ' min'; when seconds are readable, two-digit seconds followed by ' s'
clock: 9 h 03 min
